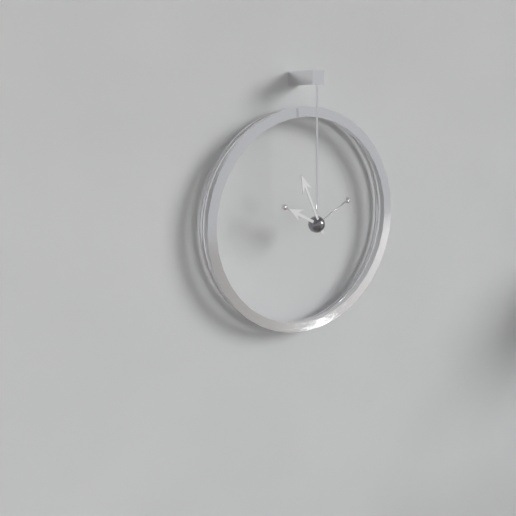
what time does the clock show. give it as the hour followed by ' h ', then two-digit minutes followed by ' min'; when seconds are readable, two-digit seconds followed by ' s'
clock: 9 h 56 min
